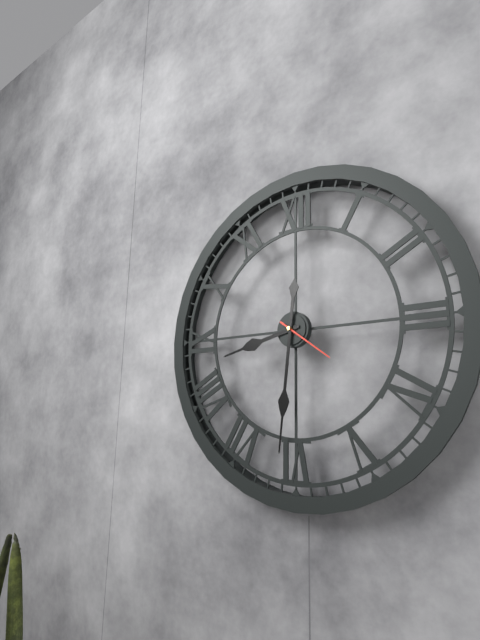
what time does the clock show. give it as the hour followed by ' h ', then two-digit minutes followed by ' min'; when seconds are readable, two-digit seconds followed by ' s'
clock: 8 h 31 min 21 s
